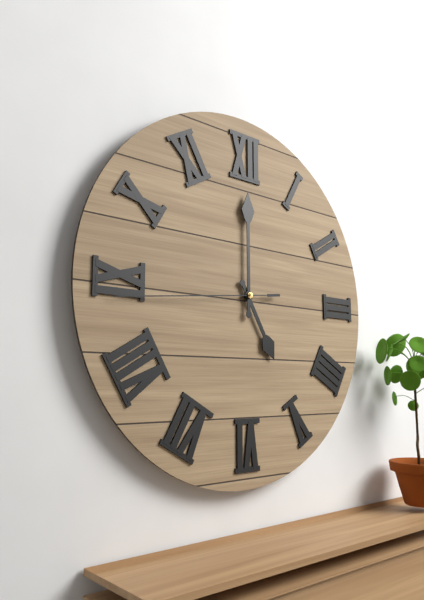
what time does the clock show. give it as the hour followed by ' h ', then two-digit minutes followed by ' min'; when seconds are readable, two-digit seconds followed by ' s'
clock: 5 h 00 min 44 s
